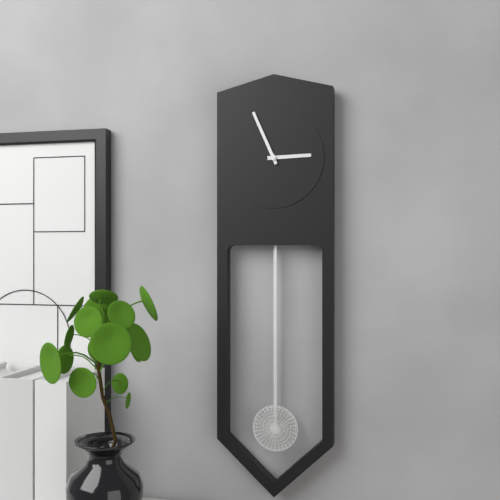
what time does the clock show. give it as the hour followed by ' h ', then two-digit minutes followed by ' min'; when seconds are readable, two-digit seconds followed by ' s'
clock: 2 h 56 min
